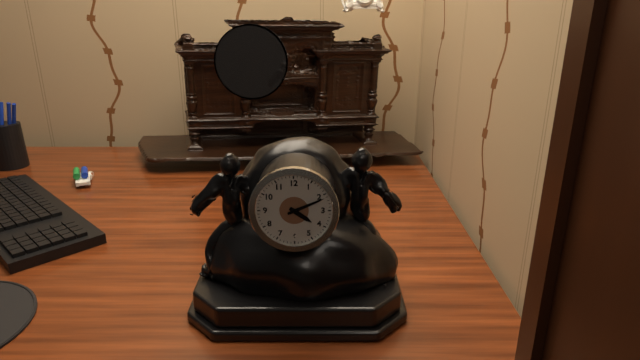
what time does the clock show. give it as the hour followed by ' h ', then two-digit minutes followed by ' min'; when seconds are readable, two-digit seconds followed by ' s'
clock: 4 h 11 min
